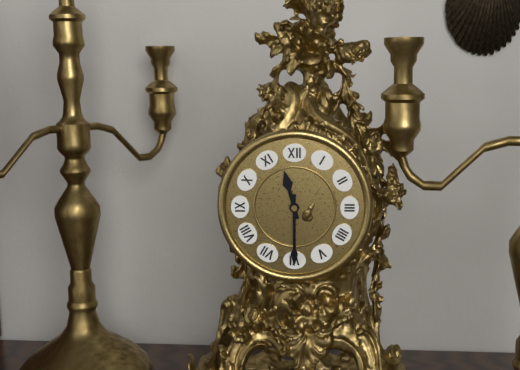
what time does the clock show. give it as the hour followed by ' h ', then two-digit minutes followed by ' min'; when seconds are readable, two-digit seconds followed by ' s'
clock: 11 h 30 min
